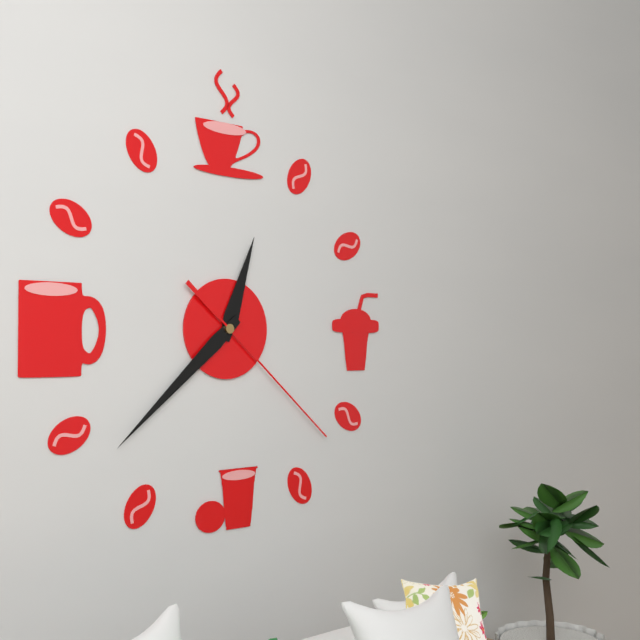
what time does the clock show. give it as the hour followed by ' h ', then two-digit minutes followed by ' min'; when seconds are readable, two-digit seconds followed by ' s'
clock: 12 h 38 min 22 s
